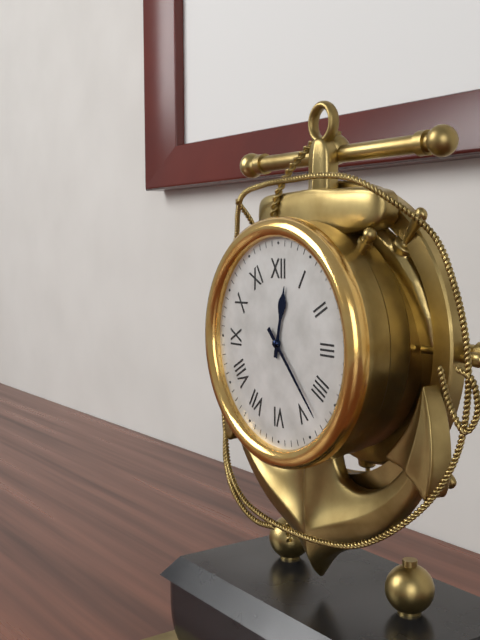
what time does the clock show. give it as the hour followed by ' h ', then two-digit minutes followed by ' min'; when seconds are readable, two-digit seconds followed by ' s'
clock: 12 h 23 min
